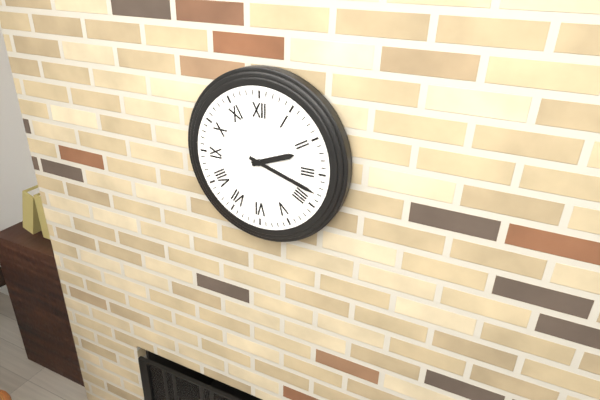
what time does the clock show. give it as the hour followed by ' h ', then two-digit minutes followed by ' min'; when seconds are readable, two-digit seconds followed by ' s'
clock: 2 h 18 min
